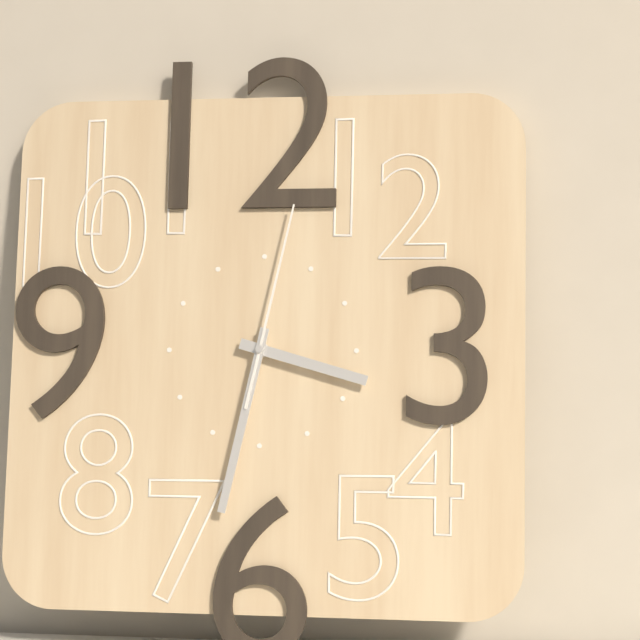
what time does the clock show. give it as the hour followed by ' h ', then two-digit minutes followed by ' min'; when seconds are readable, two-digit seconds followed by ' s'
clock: 3 h 32 min 02 s
